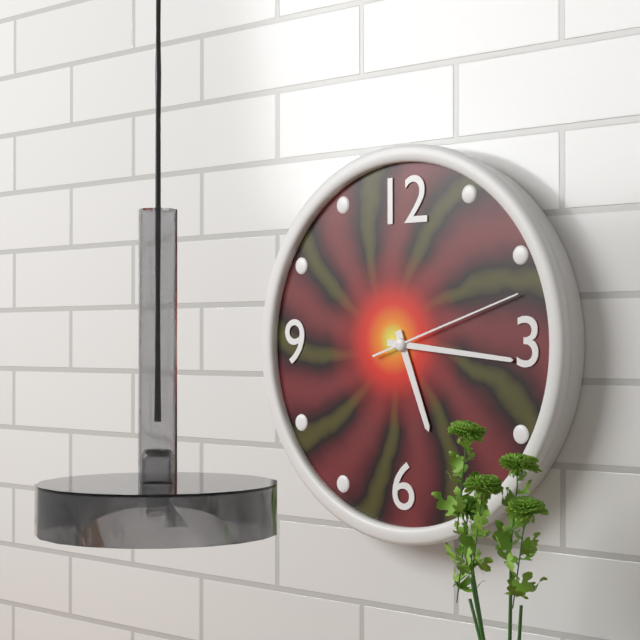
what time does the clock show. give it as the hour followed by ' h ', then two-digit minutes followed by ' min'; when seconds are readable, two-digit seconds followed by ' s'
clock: 5 h 16 min 12 s
